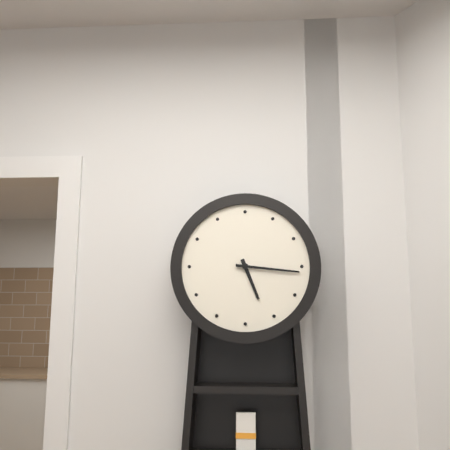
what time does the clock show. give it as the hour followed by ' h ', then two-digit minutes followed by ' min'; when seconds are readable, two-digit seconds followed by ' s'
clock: 5 h 16 min
